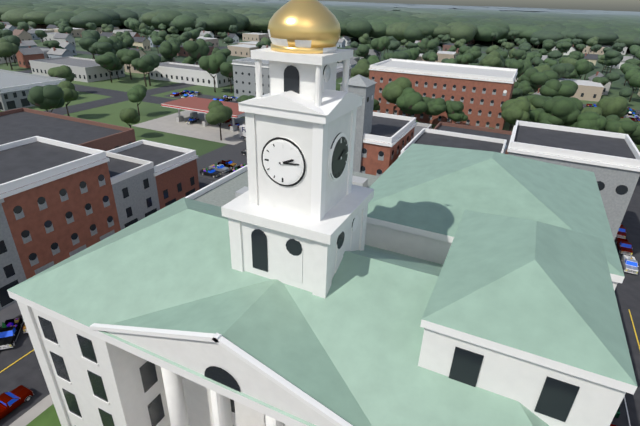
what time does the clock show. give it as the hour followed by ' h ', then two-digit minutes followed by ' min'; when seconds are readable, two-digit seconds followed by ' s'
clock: 2 h 14 min
